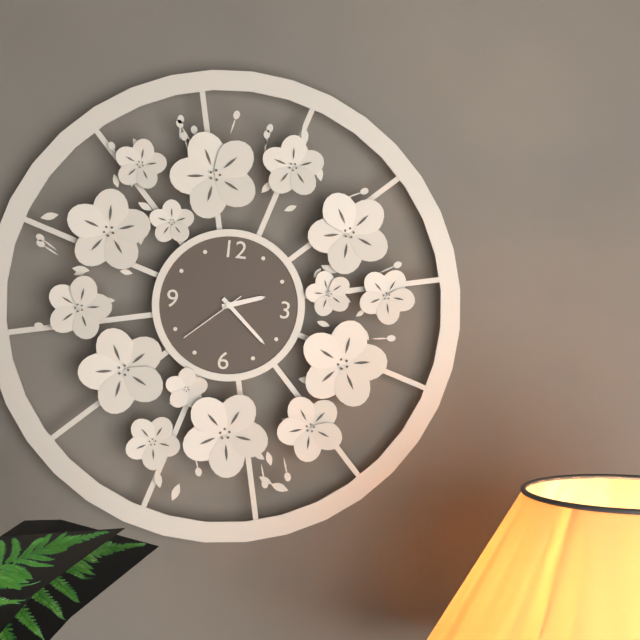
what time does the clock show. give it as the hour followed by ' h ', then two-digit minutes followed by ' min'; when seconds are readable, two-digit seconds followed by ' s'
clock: 2 h 22 min 38 s
